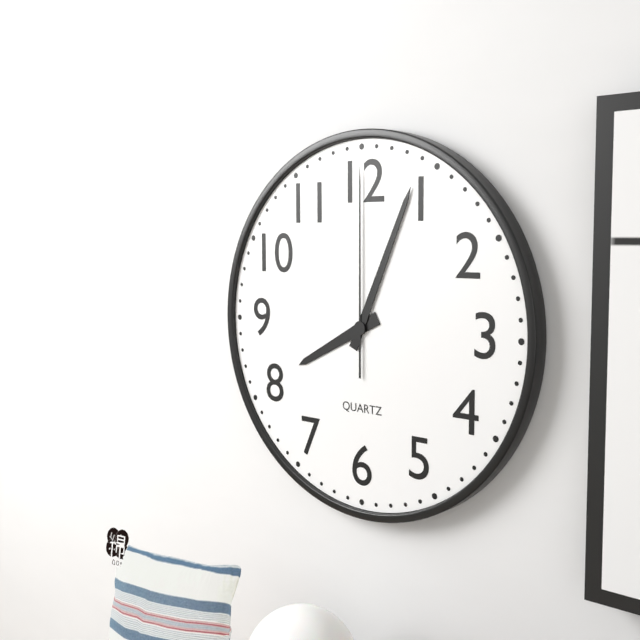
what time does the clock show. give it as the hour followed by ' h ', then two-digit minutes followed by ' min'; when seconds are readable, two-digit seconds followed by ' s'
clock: 8 h 04 min 00 s
